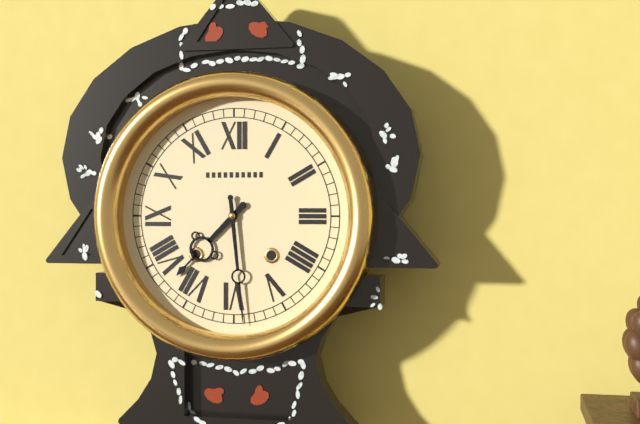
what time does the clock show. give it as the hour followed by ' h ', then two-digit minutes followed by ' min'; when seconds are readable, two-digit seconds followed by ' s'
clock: 7 h 29 min
